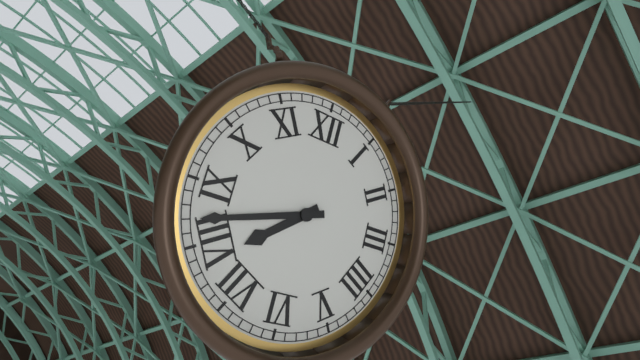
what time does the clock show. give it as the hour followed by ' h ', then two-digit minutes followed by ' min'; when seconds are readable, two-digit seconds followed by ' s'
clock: 7 h 42 min
